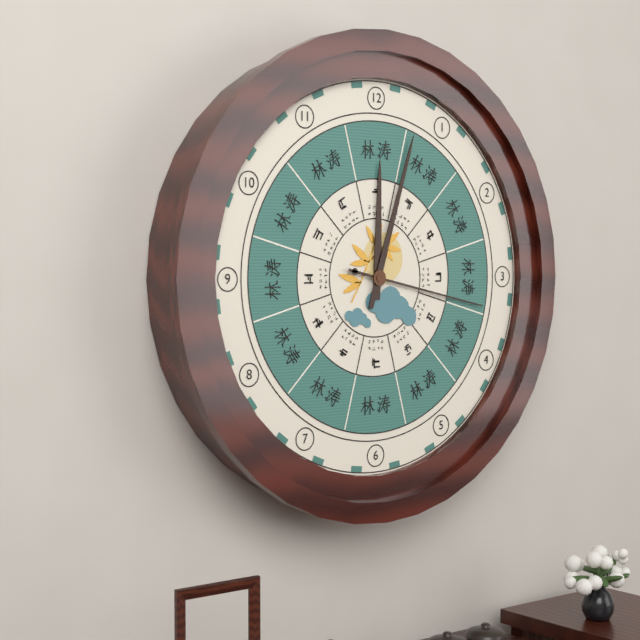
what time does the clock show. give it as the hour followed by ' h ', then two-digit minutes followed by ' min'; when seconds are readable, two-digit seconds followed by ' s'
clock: 12 h 03 min 17 s
